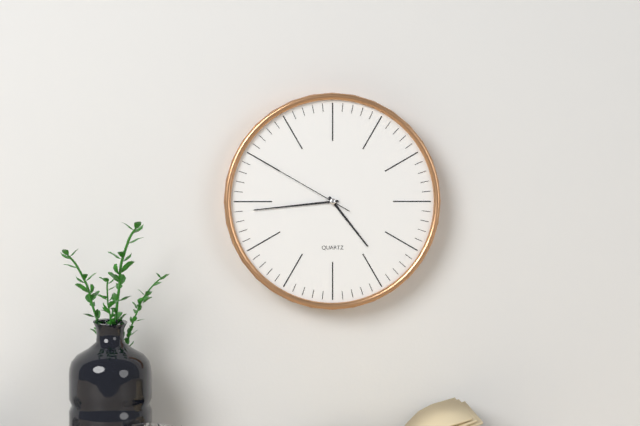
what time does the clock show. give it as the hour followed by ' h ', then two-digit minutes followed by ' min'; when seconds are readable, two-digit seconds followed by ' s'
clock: 4 h 44 min 50 s
